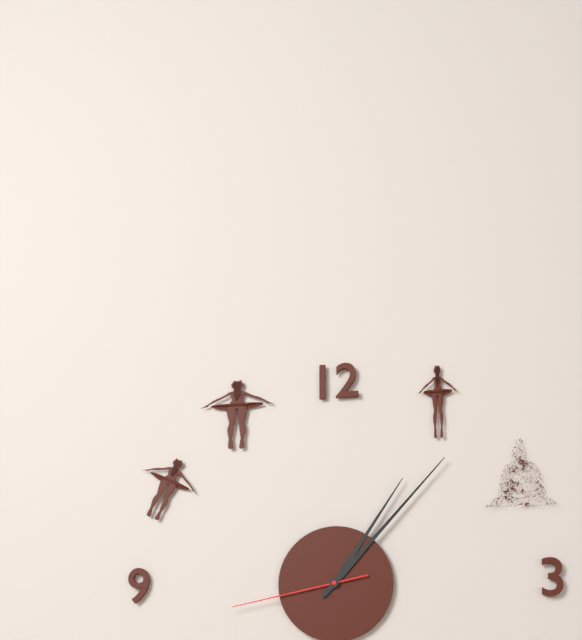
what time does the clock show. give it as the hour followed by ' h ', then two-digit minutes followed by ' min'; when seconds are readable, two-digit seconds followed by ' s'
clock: 1 h 07 min 43 s
